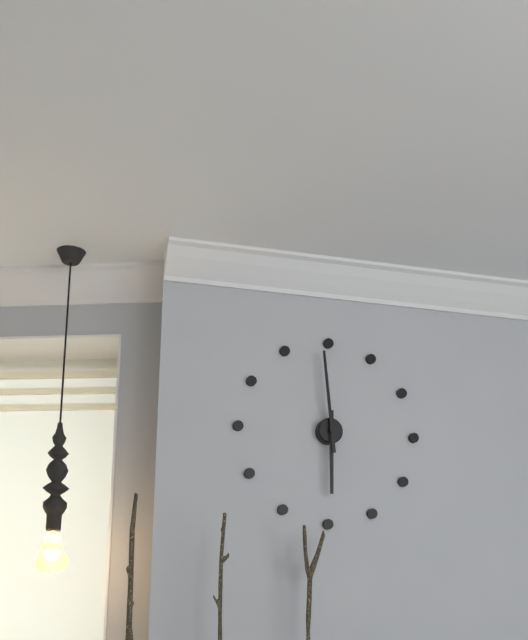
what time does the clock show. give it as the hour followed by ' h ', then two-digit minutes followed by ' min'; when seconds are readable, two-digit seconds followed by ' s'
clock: 5 h 59 min
